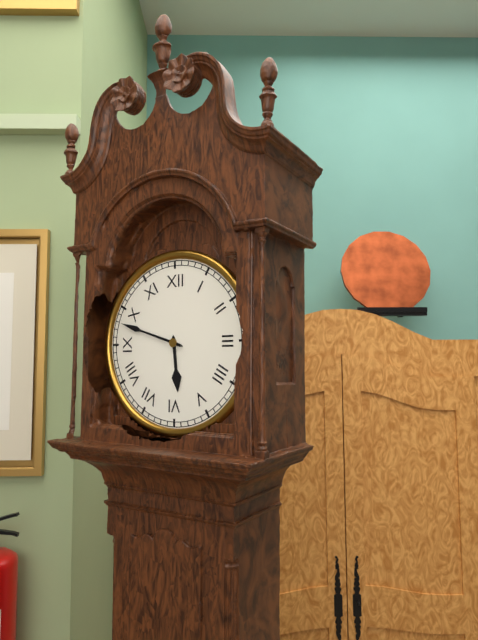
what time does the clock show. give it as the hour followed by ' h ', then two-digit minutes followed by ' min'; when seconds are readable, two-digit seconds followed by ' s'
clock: 5 h 48 min
